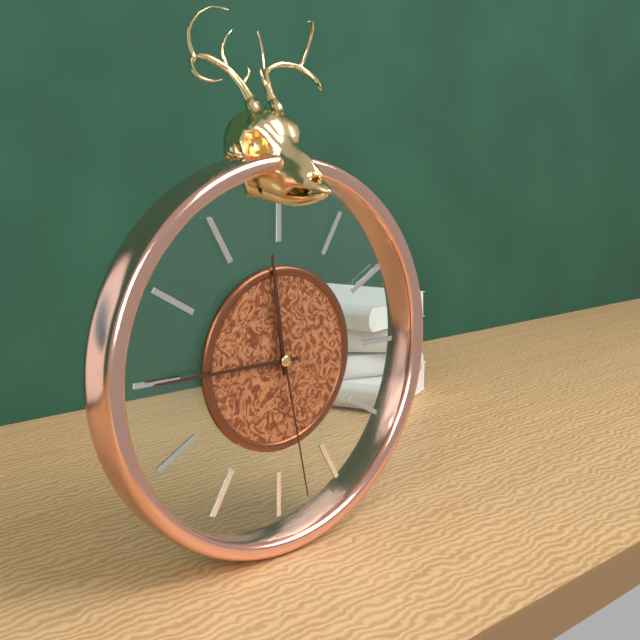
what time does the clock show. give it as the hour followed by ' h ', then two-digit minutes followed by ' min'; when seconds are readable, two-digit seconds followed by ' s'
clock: 11 h 45 min 28 s
